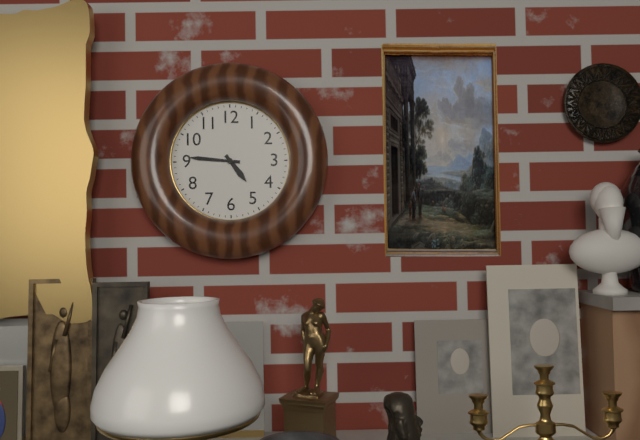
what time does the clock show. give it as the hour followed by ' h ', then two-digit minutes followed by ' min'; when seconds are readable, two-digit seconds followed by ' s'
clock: 4 h 46 min
